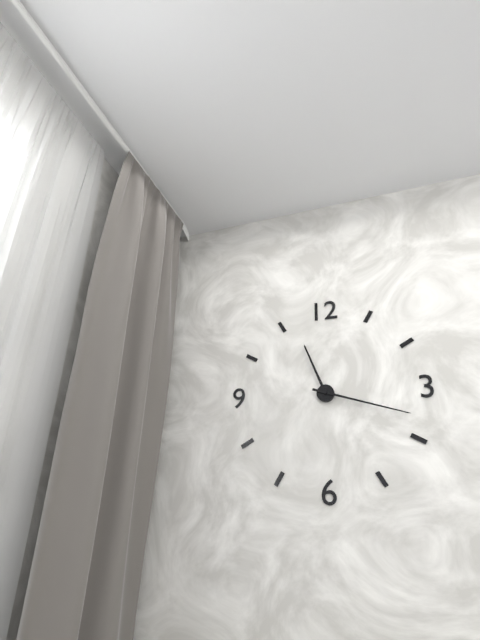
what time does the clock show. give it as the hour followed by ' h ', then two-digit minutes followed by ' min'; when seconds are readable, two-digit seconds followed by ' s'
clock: 11 h 18 min
